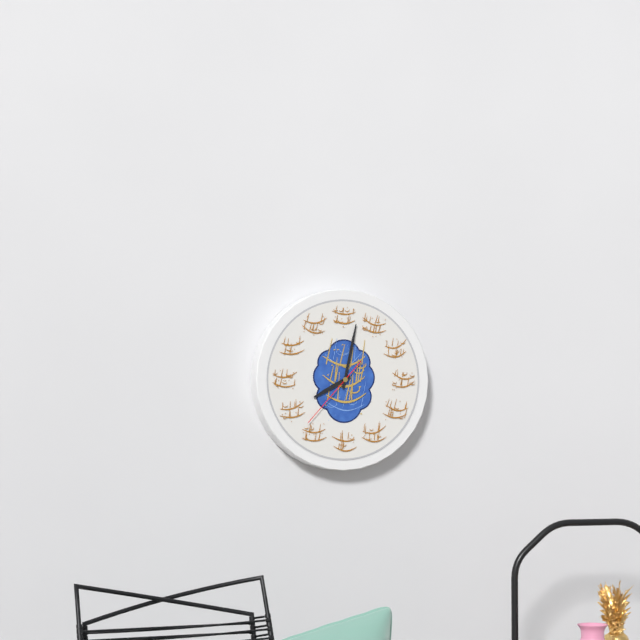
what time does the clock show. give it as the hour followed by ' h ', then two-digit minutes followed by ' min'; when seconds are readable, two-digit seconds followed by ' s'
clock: 8 h 02 min 37 s
